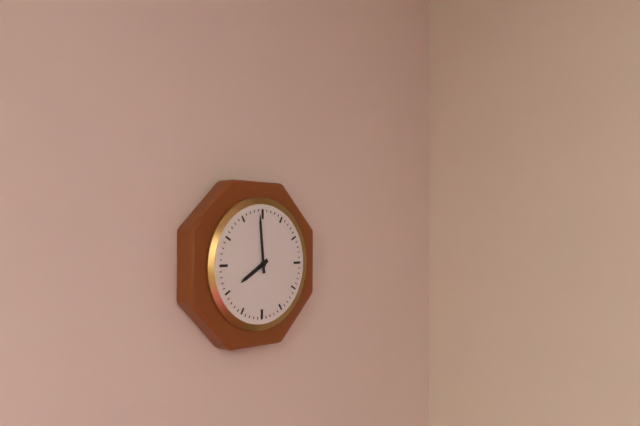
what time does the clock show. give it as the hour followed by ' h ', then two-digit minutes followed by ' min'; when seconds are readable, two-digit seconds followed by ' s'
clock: 7 h 59 min
